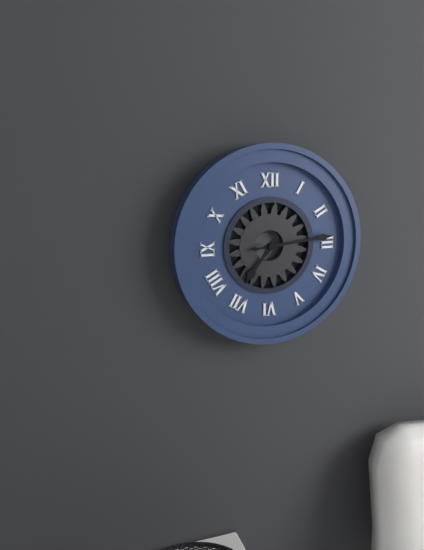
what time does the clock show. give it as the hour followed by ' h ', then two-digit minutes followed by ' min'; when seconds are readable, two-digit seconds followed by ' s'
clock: 7 h 14 min
